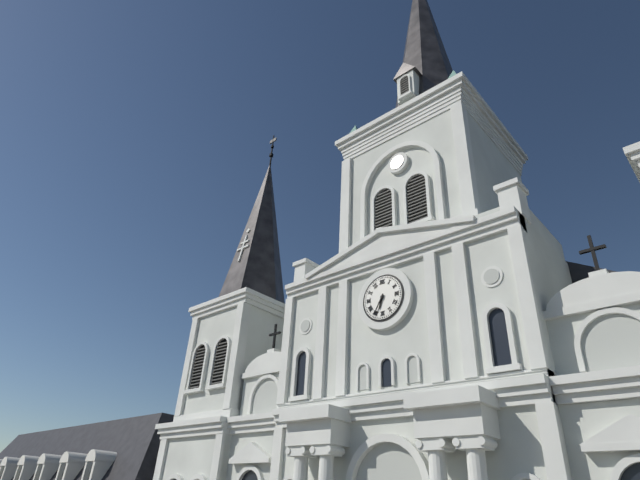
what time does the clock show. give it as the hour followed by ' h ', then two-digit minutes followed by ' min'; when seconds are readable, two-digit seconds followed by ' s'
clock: 6 h 35 min
